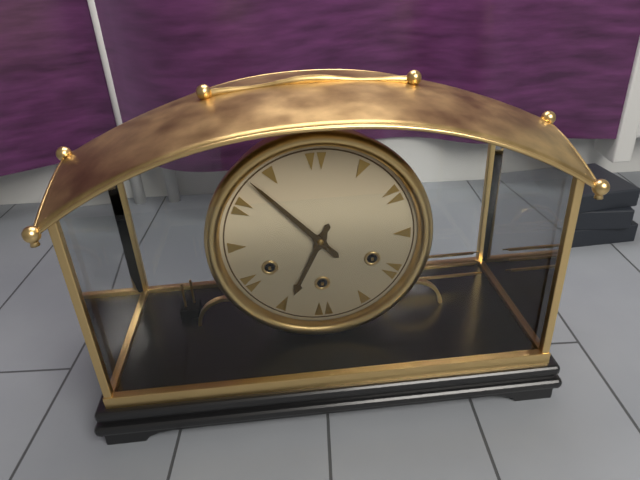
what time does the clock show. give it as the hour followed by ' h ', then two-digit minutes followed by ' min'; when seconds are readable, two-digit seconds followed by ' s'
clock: 6 h 53 min
